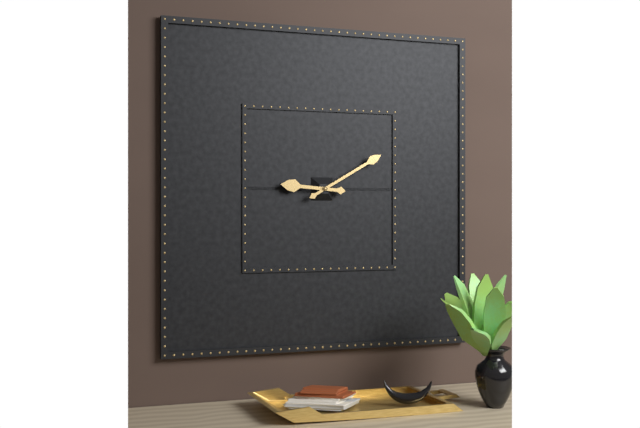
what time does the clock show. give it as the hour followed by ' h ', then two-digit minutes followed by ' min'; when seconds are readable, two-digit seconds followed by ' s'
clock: 9 h 10 min
